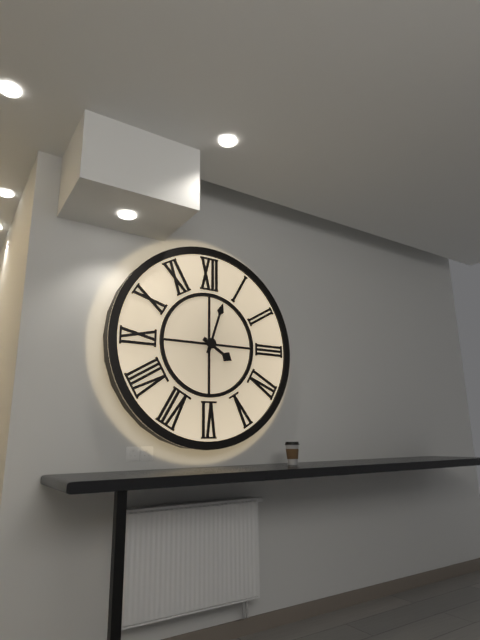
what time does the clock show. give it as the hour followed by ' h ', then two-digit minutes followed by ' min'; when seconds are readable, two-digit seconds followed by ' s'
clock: 4 h 03 min
